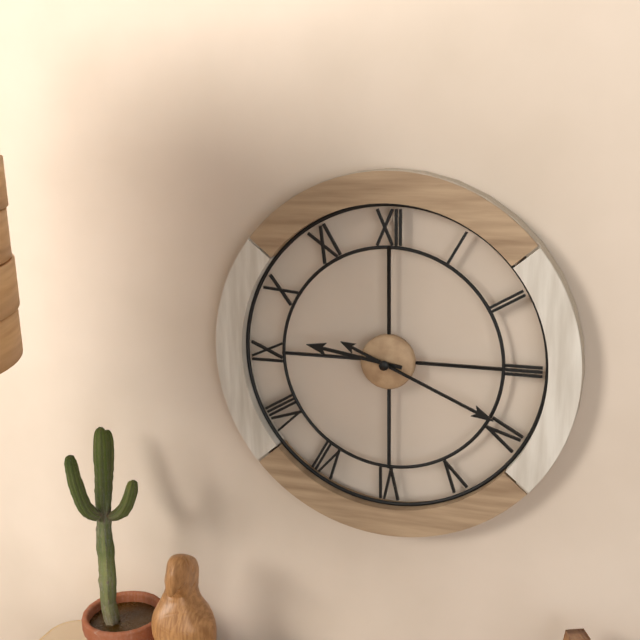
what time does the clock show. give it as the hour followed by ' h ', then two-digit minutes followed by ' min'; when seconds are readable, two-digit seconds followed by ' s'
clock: 9 h 19 min
